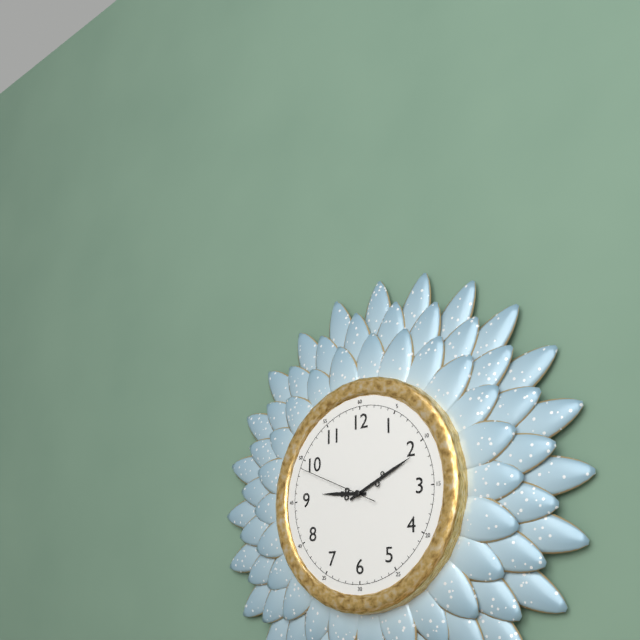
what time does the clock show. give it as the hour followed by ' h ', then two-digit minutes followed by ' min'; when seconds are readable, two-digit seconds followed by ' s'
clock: 9 h 11 min 49 s
